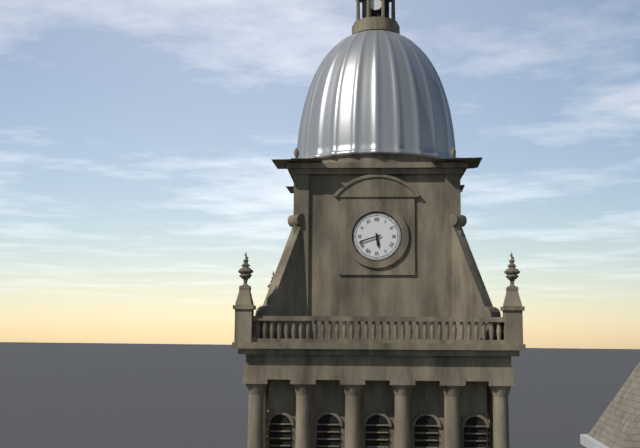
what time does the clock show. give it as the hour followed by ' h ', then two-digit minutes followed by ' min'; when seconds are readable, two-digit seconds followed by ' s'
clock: 5 h 42 min
